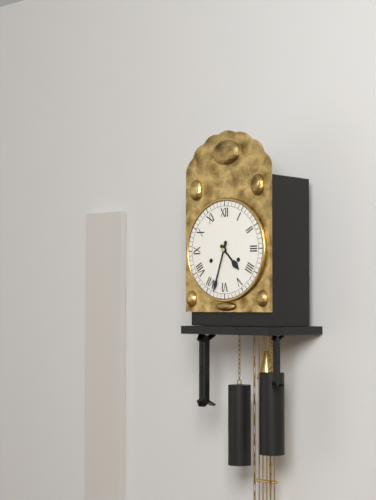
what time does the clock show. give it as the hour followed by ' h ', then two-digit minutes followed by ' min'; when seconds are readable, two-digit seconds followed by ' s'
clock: 4 h 33 min
